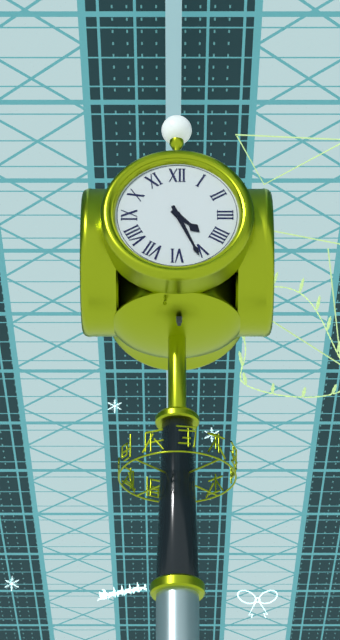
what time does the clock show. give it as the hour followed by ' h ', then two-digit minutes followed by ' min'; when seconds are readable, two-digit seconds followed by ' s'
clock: 4 h 26 min
